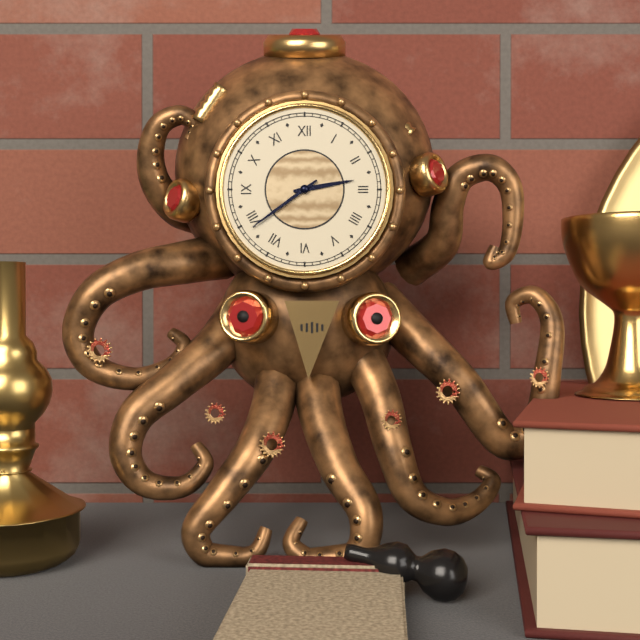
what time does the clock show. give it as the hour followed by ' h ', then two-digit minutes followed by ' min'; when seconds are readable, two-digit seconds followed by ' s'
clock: 2 h 39 min
